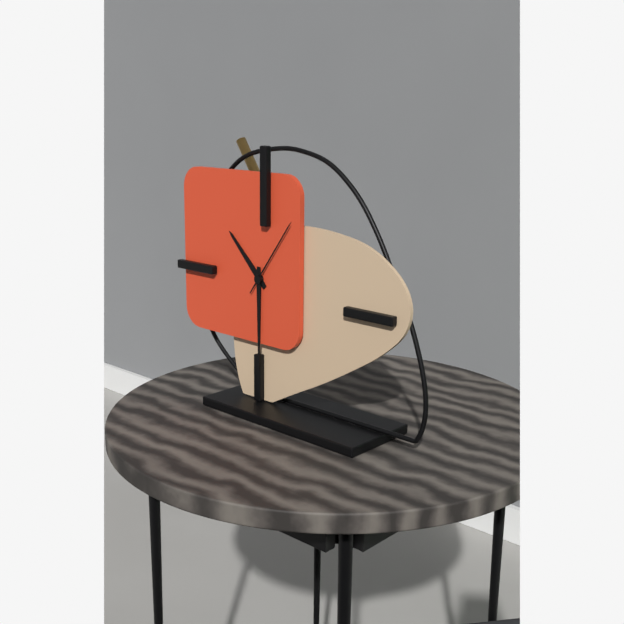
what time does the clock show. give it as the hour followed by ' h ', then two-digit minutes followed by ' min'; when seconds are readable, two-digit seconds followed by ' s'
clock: 10 h 30 min 06 s
